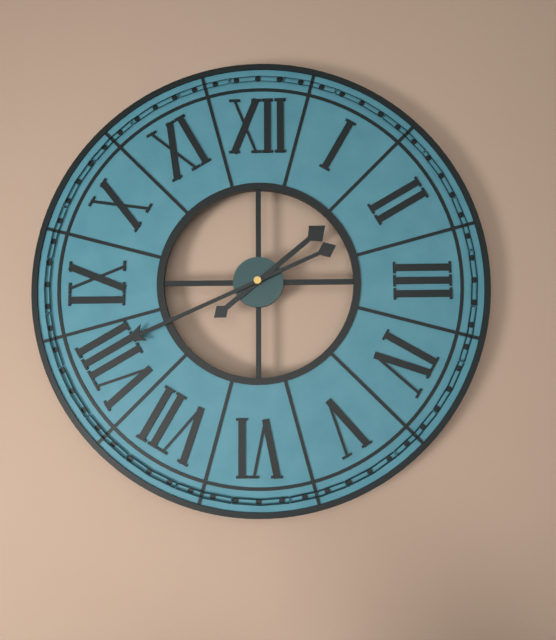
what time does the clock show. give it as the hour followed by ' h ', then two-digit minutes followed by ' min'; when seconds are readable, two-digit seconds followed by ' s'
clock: 1 h 41 min
